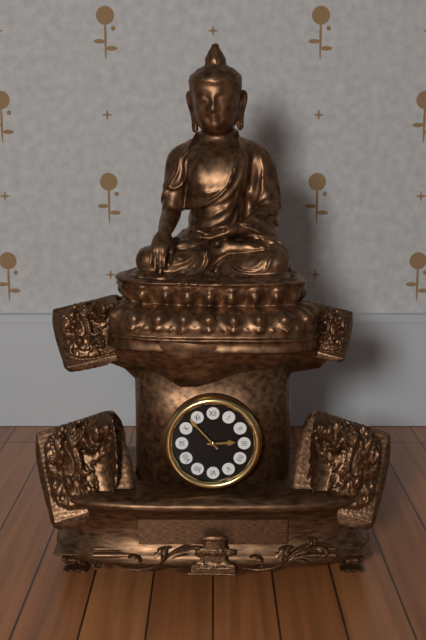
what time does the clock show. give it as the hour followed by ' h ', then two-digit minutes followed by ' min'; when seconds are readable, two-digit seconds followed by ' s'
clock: 2 h 53 min
